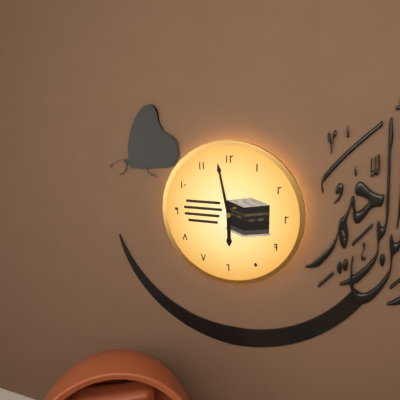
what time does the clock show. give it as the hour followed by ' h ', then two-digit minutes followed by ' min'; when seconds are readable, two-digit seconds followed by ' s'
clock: 5 h 58 min
